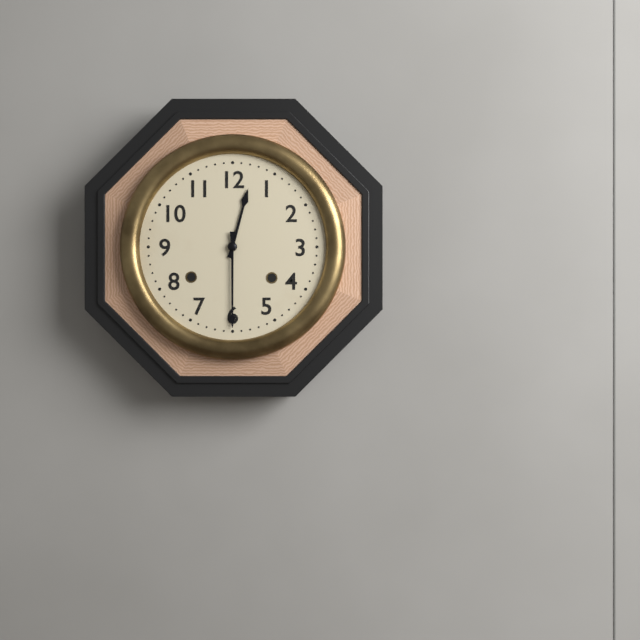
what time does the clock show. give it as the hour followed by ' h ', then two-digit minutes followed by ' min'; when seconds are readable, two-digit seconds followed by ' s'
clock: 12 h 30 min
